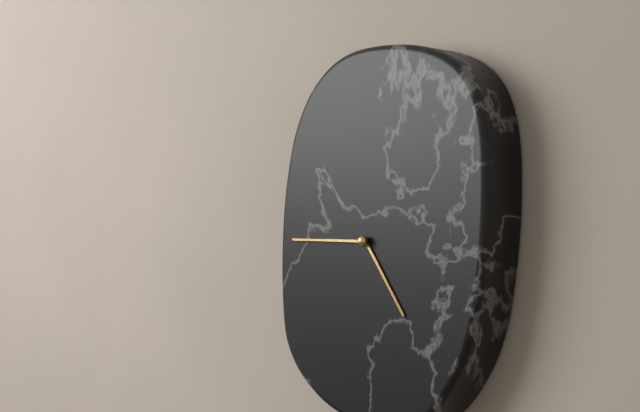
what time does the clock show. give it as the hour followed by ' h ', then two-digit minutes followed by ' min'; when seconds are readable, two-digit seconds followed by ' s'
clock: 4 h 45 min
